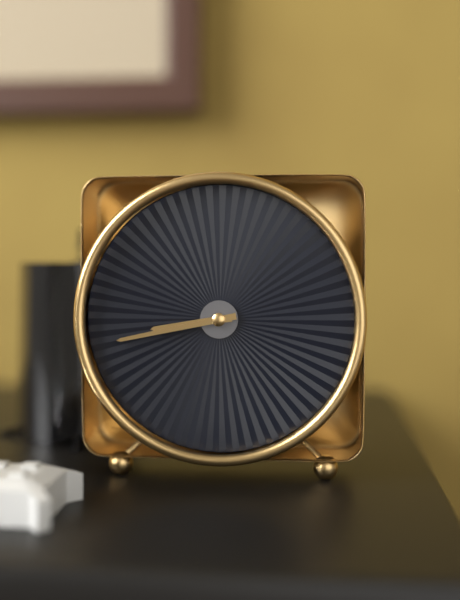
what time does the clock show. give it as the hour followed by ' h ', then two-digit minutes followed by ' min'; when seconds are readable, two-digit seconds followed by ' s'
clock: 8 h 43 min
